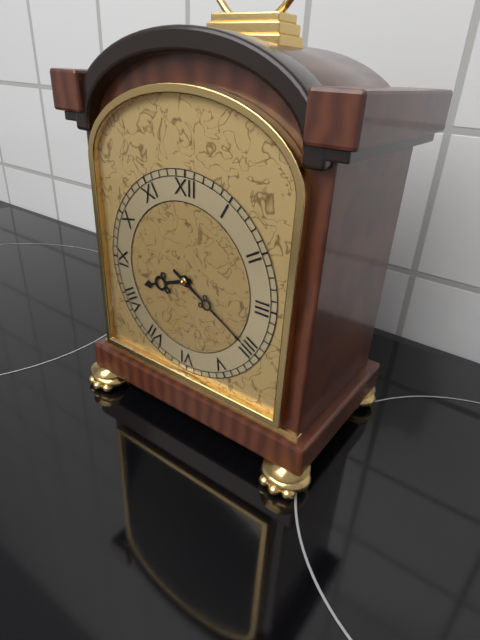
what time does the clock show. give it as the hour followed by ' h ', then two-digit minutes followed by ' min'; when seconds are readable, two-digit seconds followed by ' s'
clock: 8 h 20 min
